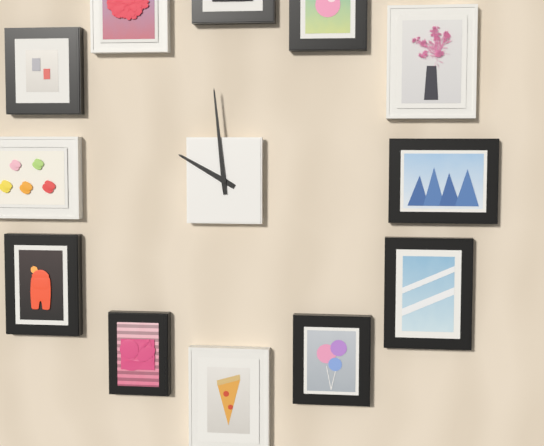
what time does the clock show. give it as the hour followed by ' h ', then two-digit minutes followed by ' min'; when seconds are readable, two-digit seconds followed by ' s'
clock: 9 h 59 min
